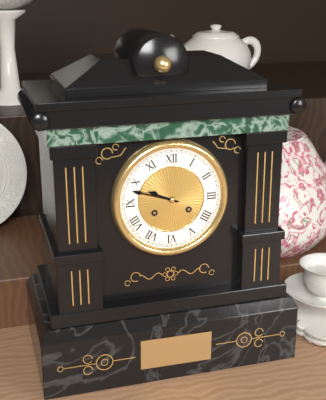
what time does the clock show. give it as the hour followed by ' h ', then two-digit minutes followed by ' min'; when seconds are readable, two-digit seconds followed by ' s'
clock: 9 h 48 min
